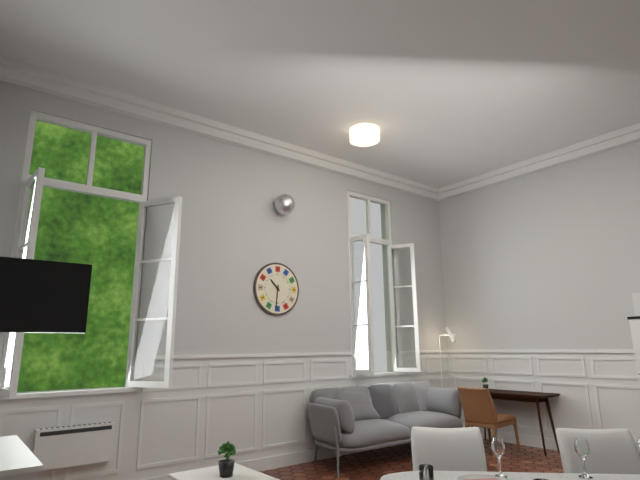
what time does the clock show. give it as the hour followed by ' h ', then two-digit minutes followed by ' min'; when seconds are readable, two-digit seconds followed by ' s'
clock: 10 h 31 min
